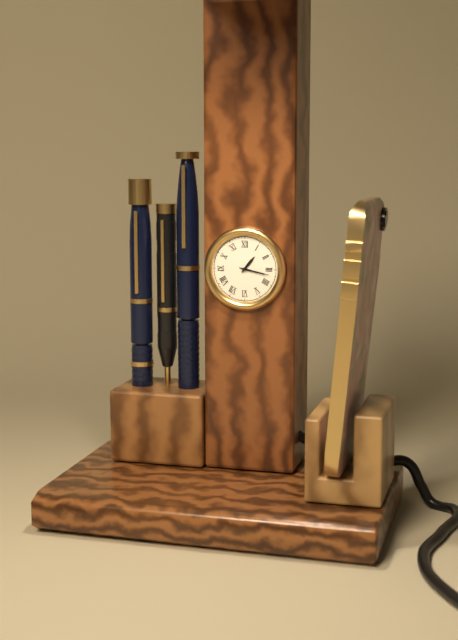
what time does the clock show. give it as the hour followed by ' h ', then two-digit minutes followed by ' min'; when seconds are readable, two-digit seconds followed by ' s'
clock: 1 h 17 min
